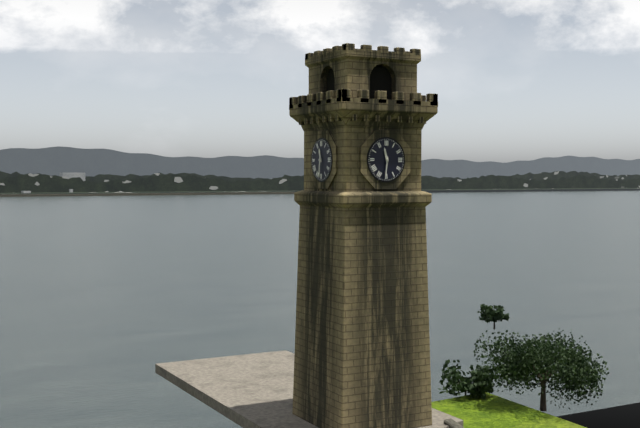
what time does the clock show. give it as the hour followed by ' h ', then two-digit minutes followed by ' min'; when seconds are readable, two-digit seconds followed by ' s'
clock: 11 h 31 min
